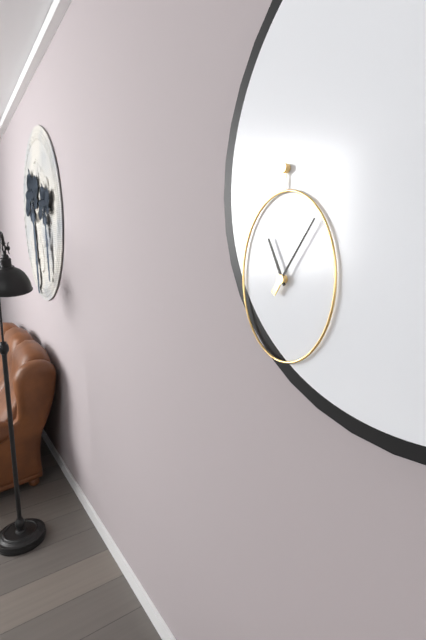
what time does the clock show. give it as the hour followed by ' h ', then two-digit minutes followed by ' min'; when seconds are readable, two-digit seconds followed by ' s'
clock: 11 h 06 min
